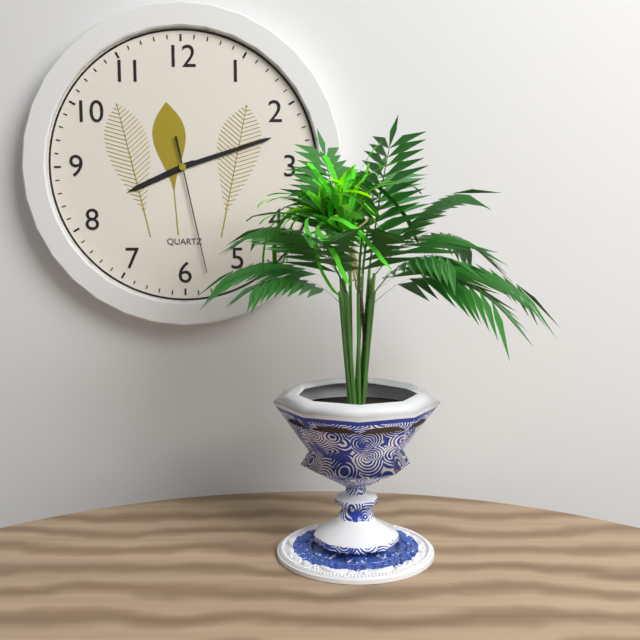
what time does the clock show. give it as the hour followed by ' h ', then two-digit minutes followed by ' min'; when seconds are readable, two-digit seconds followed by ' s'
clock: 8 h 12 min 28 s
